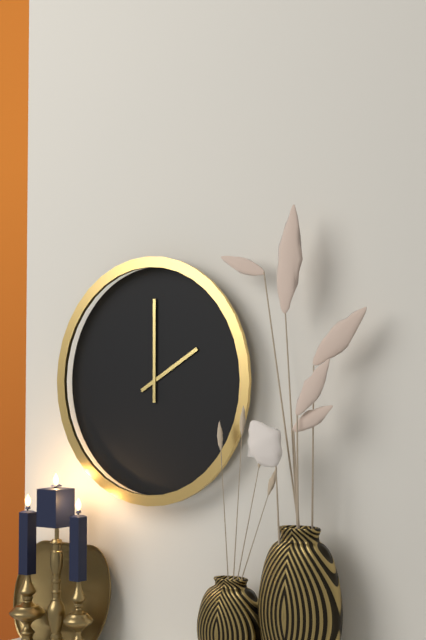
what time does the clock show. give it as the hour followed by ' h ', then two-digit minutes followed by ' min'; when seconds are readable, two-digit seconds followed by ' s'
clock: 2 h 00 min
